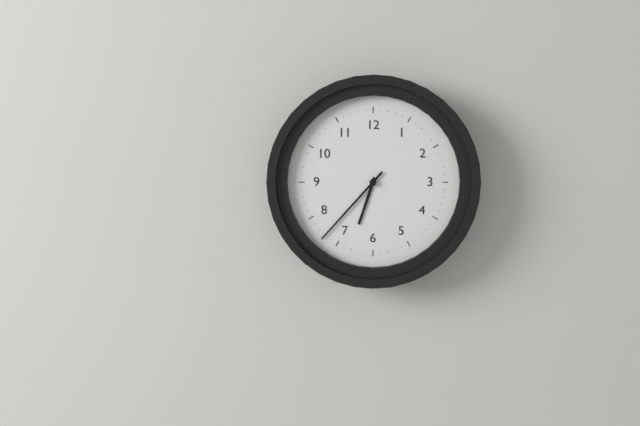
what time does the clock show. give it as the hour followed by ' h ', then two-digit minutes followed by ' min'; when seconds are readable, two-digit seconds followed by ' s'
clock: 6 h 37 min
